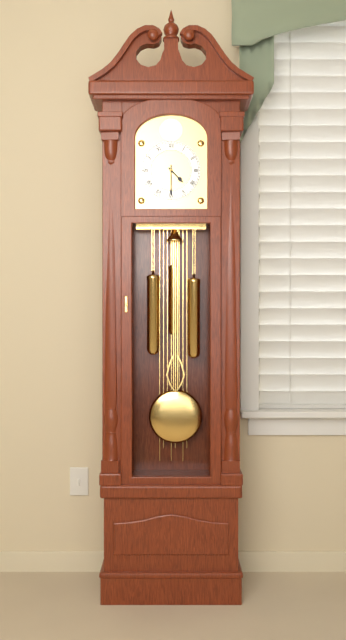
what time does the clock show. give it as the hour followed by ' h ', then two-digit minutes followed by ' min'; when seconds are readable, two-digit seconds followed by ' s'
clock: 4 h 30 min
